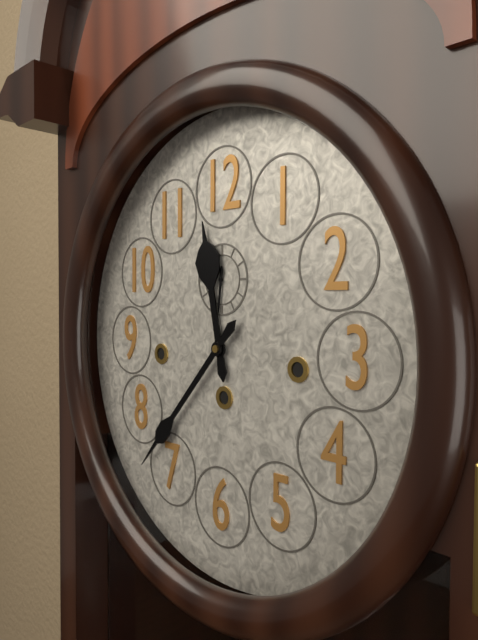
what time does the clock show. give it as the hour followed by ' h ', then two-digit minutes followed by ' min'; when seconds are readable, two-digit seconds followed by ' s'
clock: 11 h 37 min
